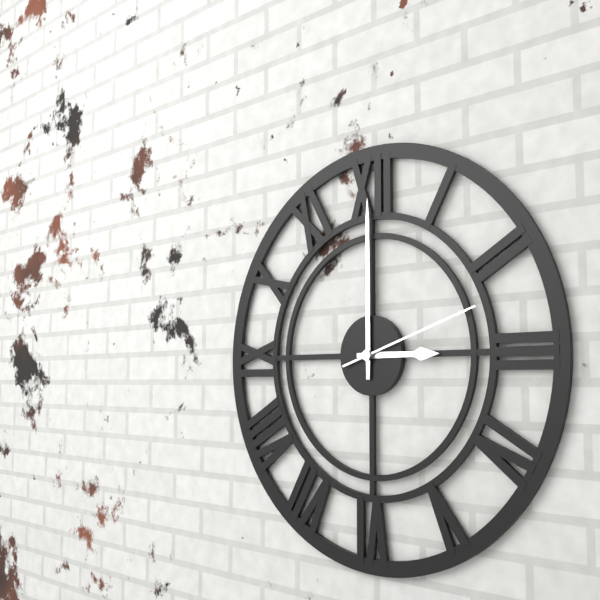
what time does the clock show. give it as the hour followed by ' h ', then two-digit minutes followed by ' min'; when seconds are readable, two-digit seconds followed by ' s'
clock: 3 h 00 min 12 s
